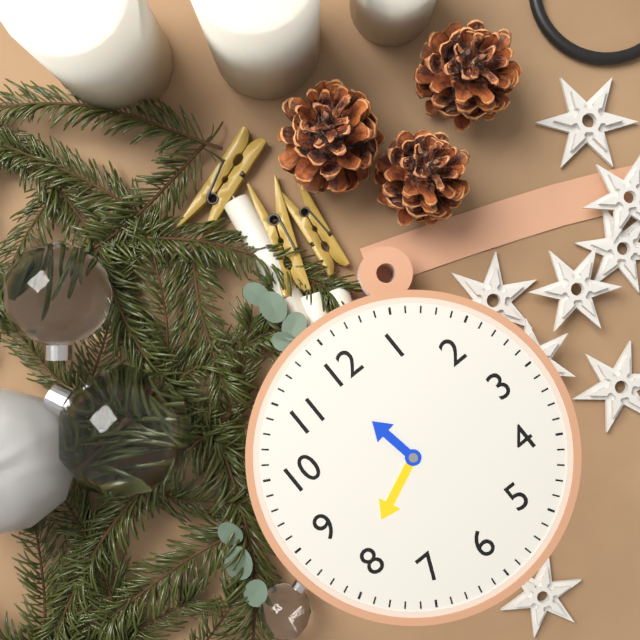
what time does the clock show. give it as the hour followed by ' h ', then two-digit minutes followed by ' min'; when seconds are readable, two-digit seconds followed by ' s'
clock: 11 h 41 min
